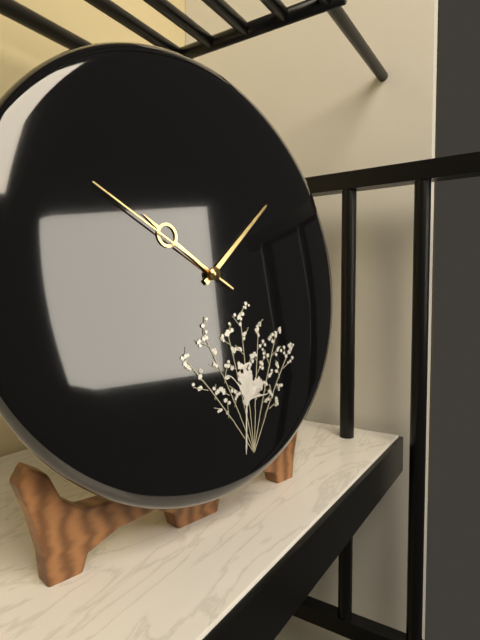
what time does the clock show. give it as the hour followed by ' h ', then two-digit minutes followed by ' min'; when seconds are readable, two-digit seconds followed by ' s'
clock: 10 h 08 min 50 s
